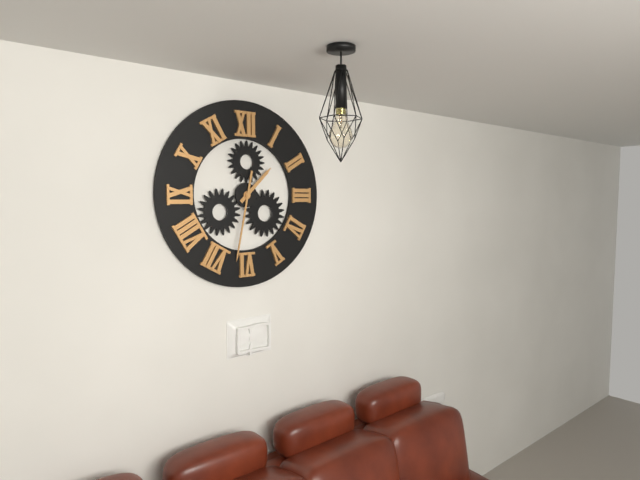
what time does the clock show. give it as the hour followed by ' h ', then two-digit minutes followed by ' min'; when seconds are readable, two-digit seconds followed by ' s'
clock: 1 h 32 min
